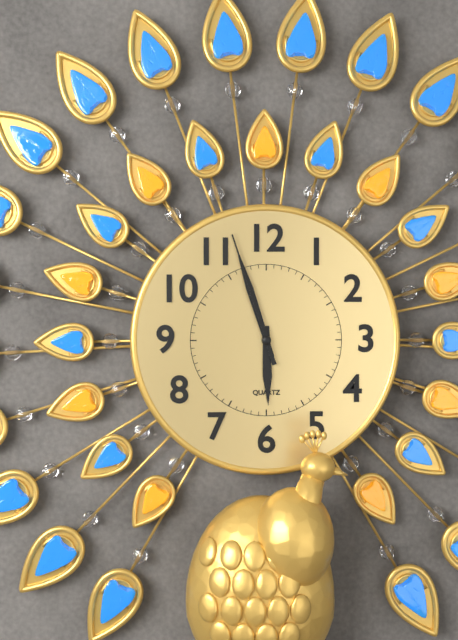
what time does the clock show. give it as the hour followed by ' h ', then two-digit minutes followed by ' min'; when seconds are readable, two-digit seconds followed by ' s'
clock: 5 h 57 min 57 s
